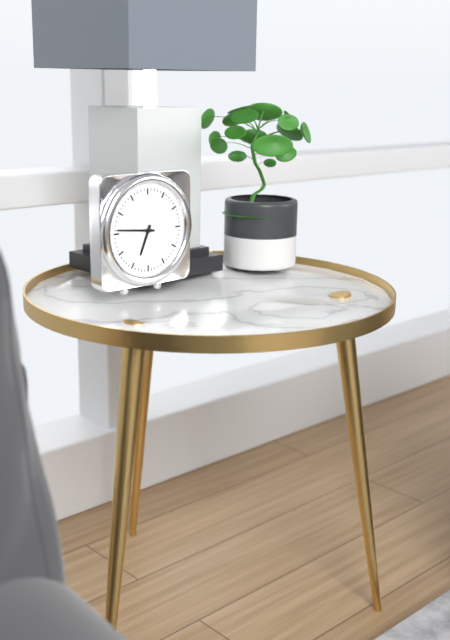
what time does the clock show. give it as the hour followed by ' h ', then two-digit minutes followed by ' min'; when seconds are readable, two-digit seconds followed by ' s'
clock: 6 h 46 min
